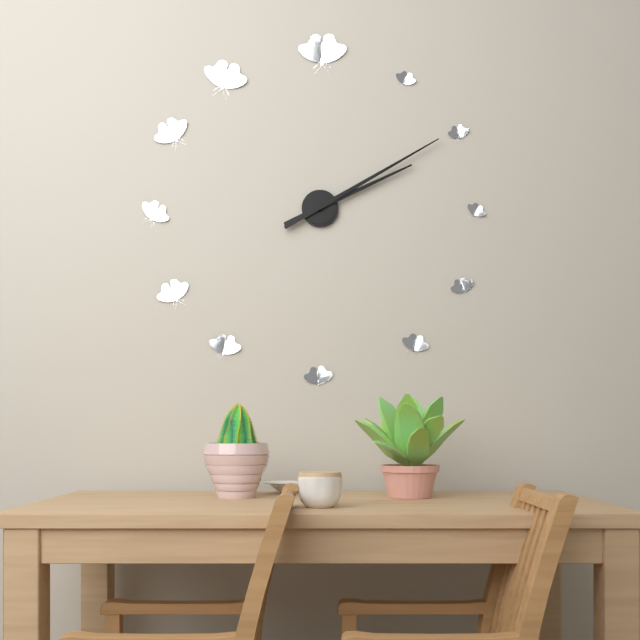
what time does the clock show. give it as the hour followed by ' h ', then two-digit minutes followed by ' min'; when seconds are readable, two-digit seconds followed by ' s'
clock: 2 h 10 min
